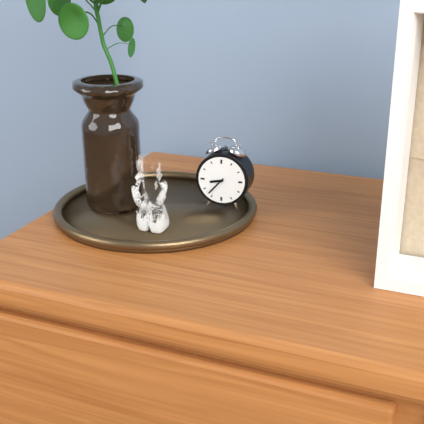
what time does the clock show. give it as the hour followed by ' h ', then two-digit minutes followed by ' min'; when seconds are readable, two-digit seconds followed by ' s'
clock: 8 h 37 min
